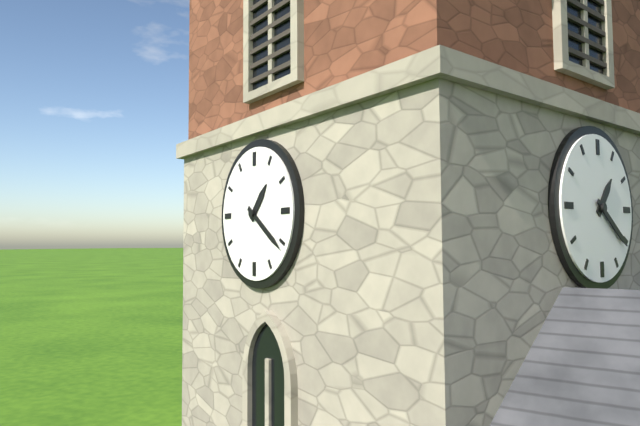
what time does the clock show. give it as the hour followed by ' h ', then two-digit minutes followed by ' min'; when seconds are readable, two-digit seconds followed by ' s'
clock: 1 h 21 min
